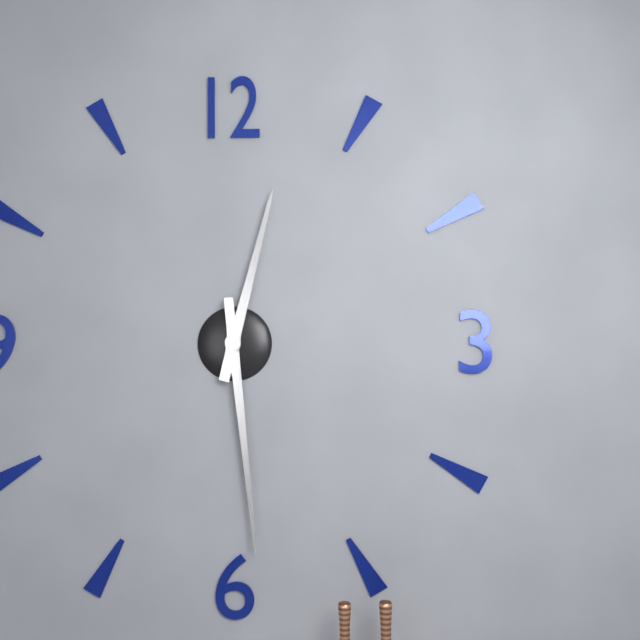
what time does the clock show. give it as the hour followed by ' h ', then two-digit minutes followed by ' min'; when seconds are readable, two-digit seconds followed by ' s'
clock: 12 h 29 min
